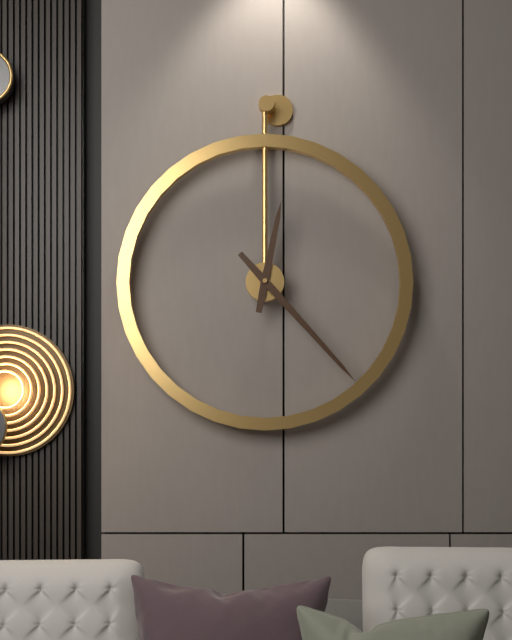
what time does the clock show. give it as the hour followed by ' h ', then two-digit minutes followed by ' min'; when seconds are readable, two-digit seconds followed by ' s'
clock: 12 h 23 min
